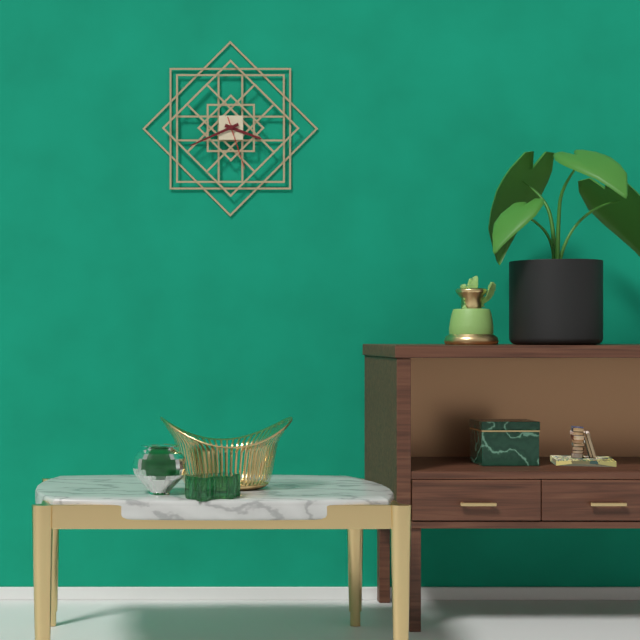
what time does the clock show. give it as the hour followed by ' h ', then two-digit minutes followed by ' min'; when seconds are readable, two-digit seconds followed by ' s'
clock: 3 h 41 min 27 s
